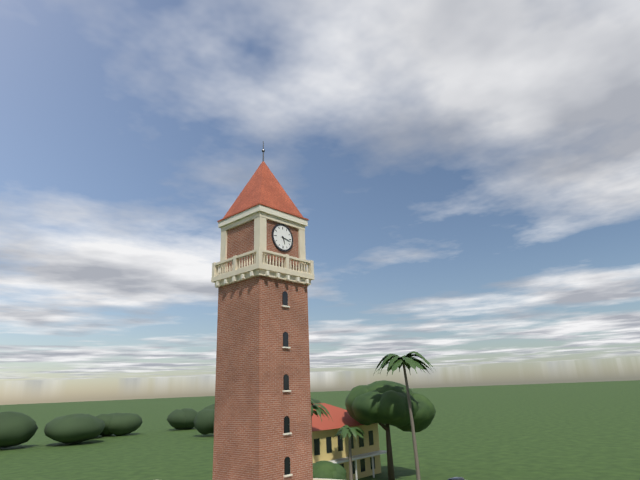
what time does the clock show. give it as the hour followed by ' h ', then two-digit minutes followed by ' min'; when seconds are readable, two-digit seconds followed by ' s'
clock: 5 h 17 min
